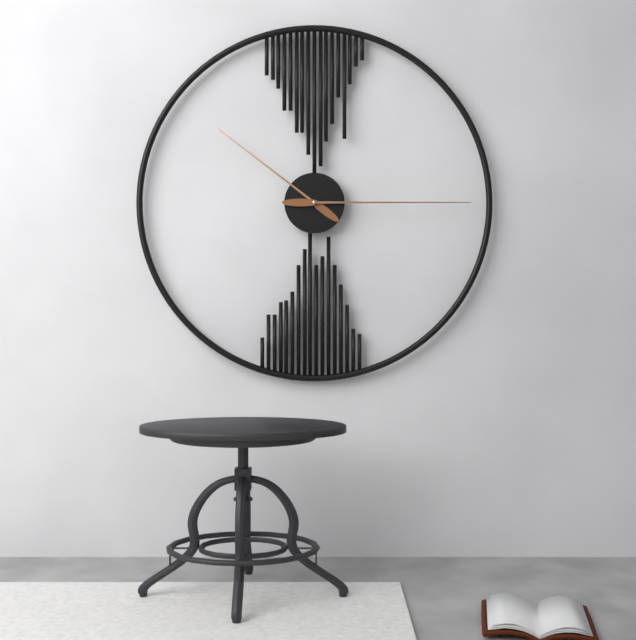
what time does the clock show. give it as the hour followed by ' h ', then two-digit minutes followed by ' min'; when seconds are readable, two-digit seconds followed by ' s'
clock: 10 h 15 min
